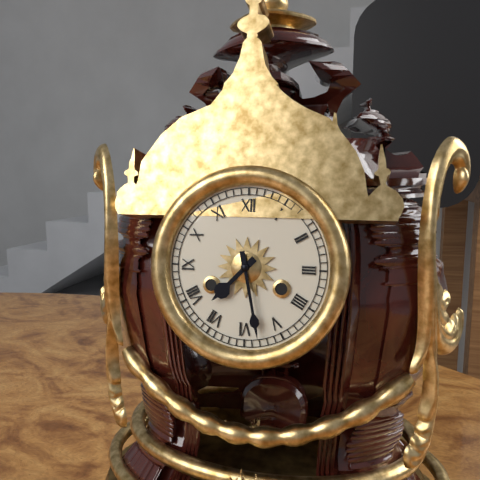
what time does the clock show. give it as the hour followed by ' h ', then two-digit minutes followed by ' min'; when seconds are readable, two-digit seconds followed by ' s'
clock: 7 h 28 min
